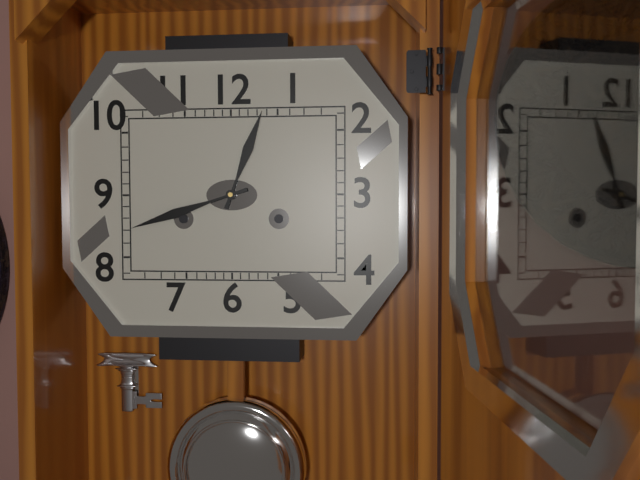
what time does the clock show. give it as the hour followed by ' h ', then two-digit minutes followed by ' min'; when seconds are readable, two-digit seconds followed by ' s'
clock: 12 h 42 min
